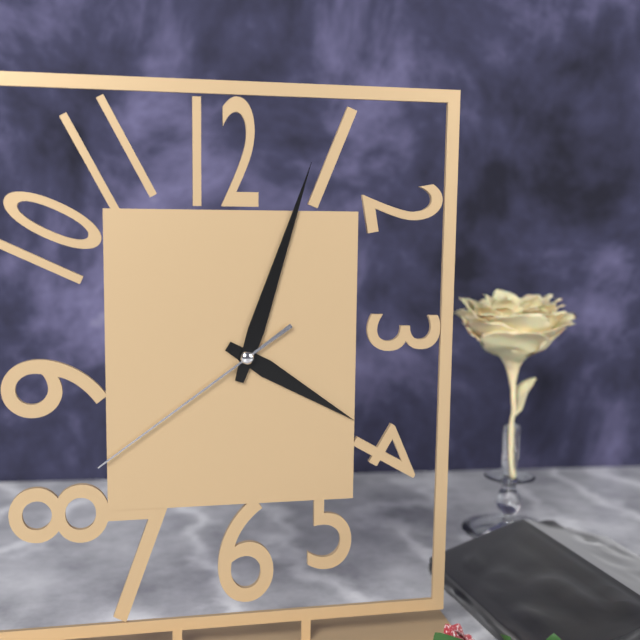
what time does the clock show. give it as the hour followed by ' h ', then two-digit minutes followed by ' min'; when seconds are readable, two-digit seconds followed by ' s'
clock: 4 h 03 min 39 s
